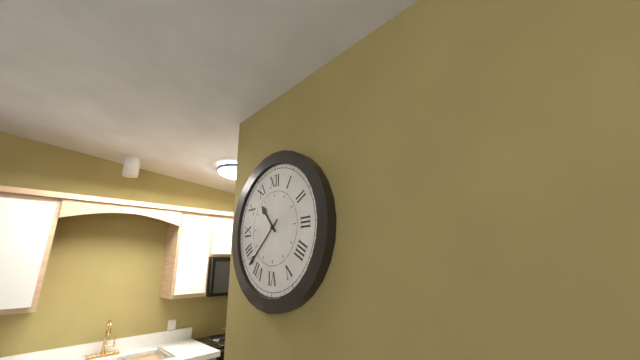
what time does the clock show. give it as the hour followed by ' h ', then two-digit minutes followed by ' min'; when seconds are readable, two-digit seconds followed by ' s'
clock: 10 h 38 min
